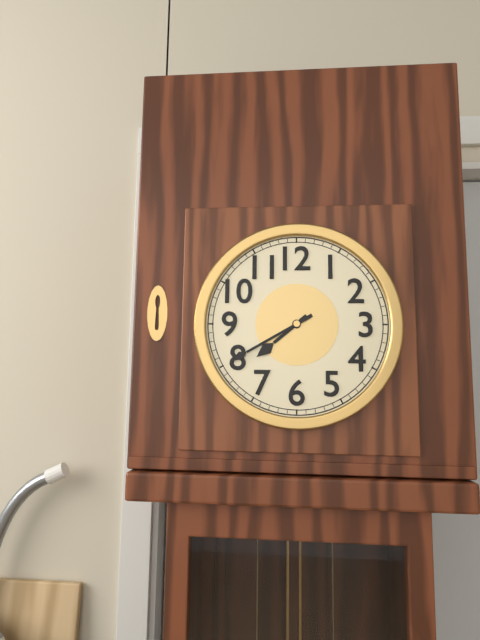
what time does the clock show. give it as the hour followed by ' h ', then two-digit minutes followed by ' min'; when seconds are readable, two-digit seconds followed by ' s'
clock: 7 h 40 min
